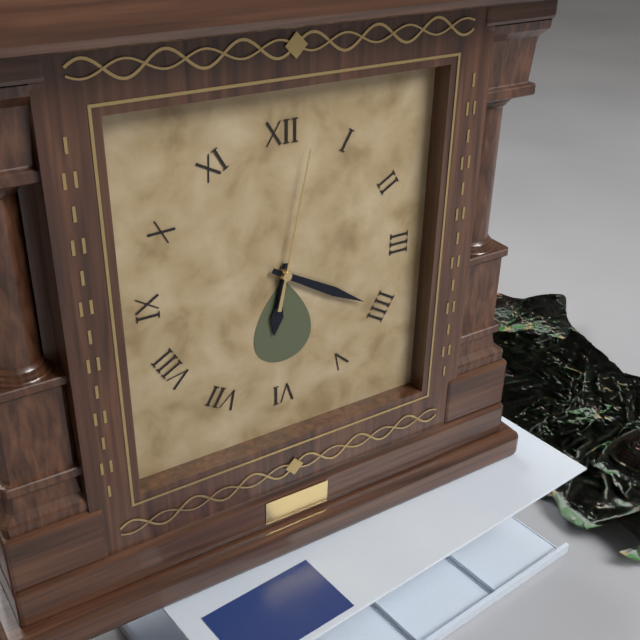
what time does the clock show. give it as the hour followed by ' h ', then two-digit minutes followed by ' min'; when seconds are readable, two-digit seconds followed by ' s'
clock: 6 h 20 min 02 s
